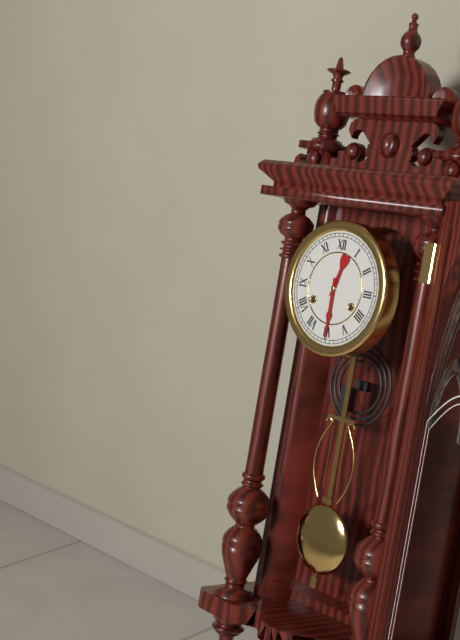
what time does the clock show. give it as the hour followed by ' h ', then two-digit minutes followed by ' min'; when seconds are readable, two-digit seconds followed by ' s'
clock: 12 h 30 min
